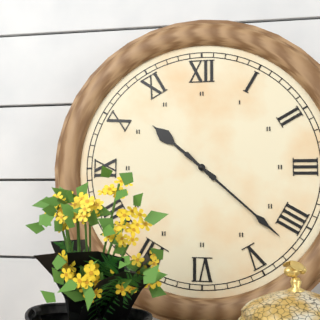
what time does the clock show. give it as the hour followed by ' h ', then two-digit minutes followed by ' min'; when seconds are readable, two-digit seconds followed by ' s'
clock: 10 h 22 min
